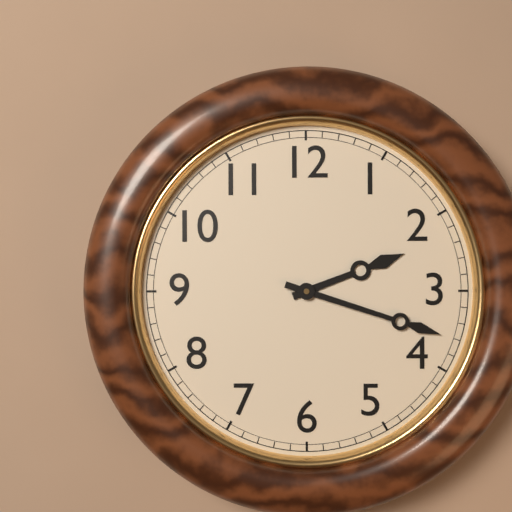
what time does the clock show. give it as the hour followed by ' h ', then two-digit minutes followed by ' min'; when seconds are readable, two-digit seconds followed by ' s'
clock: 2 h 18 min
